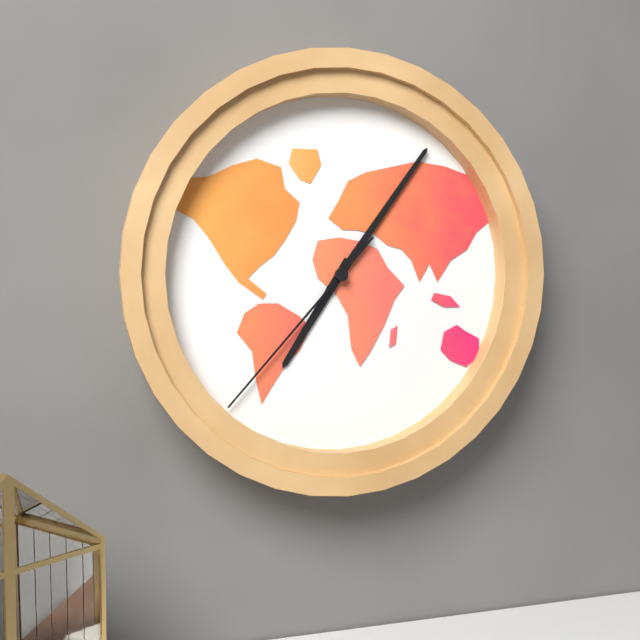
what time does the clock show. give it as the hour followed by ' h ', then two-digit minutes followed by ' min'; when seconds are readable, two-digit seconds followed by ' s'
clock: 7 h 06 min 37 s
